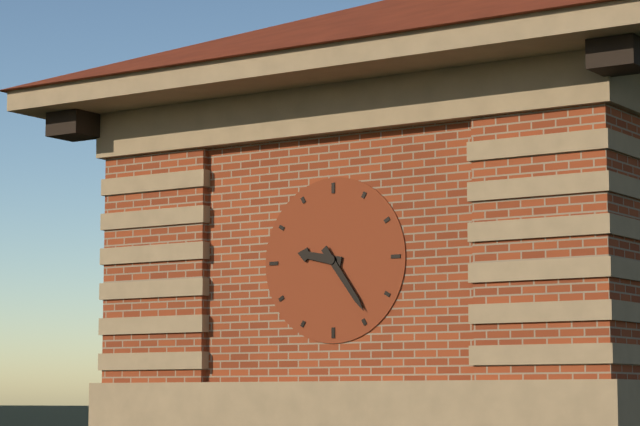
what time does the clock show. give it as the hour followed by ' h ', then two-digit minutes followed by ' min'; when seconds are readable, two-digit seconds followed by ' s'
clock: 9 h 24 min
